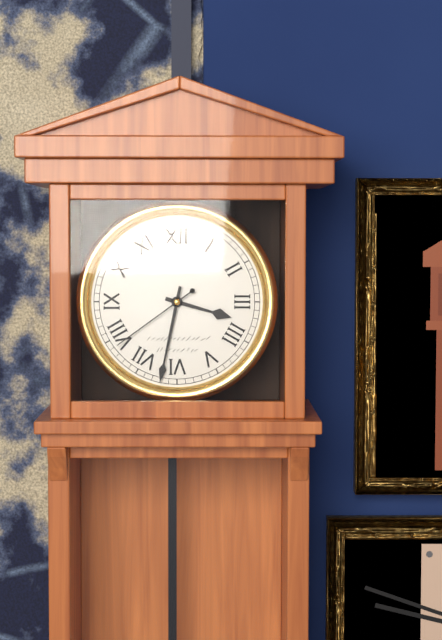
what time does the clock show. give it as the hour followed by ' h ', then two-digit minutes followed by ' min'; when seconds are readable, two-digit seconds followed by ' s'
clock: 3 h 32 min 39 s
